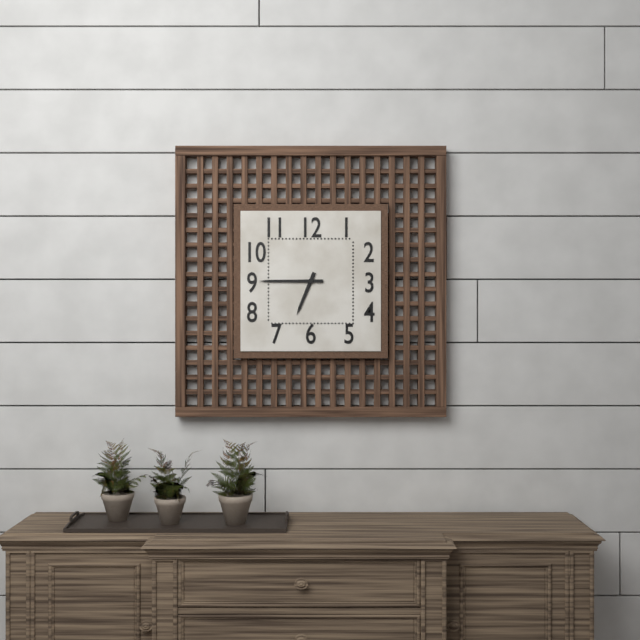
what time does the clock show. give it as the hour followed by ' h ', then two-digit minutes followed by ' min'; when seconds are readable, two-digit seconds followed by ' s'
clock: 6 h 45 min
